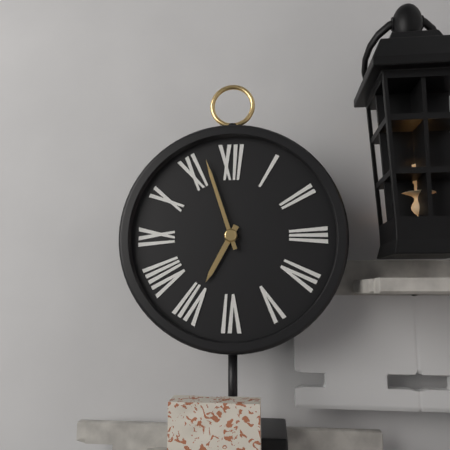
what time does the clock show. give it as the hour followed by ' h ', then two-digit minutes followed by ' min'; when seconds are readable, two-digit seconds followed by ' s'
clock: 6 h 57 min
